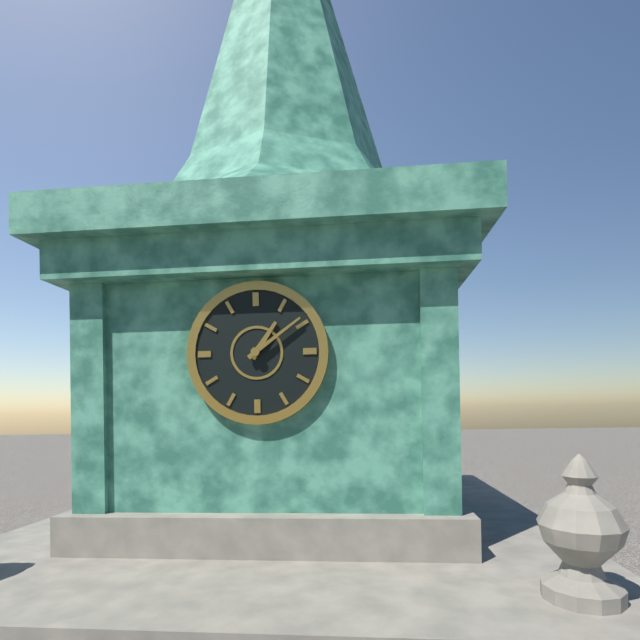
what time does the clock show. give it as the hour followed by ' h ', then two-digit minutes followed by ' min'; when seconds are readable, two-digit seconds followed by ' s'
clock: 1 h 09 min
